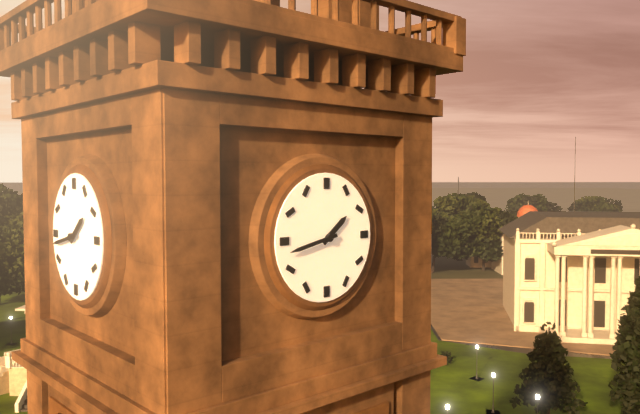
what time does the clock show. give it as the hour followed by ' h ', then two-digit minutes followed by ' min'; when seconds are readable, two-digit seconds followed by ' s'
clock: 1 h 43 min
